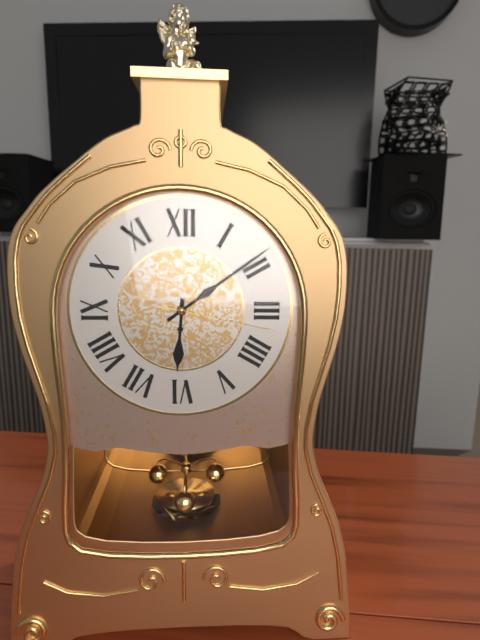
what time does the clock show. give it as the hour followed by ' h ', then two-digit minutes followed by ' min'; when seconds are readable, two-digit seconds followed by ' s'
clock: 6 h 09 min 17 s
